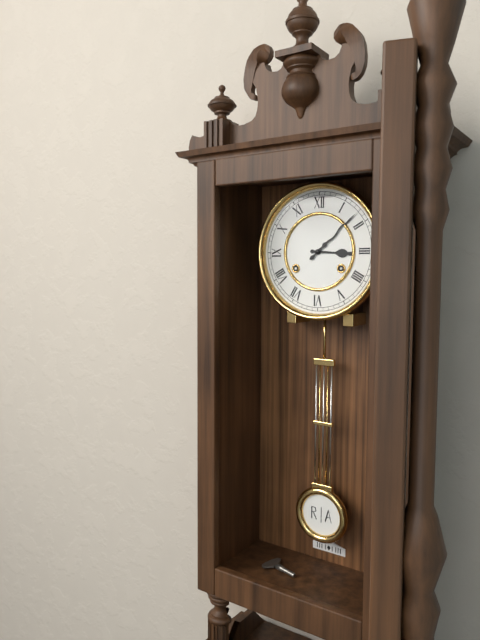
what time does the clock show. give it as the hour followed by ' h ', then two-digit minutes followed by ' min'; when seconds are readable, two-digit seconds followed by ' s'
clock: 3 h 08 min
